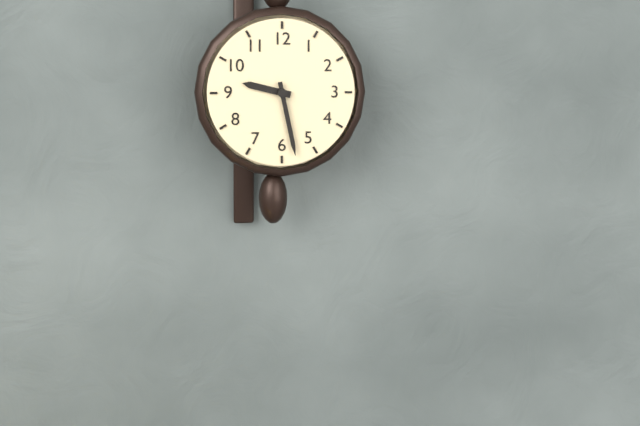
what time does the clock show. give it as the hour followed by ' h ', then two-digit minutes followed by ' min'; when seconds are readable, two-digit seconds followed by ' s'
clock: 9 h 28 min
